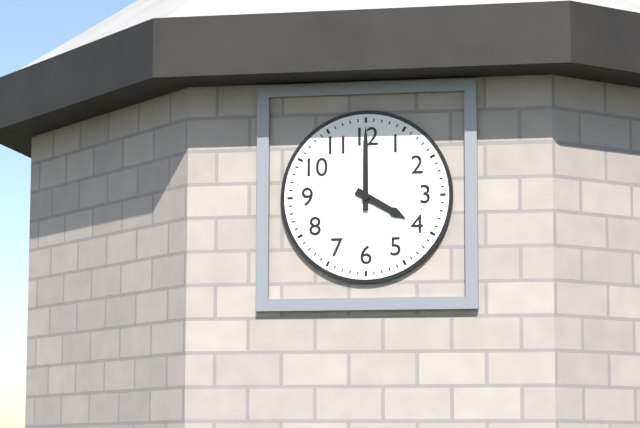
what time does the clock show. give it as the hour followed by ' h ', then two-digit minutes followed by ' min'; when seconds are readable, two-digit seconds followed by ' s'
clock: 4 h 00 min
